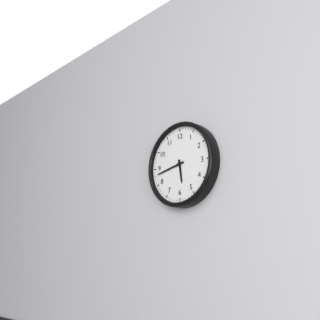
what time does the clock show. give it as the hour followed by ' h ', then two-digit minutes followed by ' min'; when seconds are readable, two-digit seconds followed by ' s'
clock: 5 h 43 min
